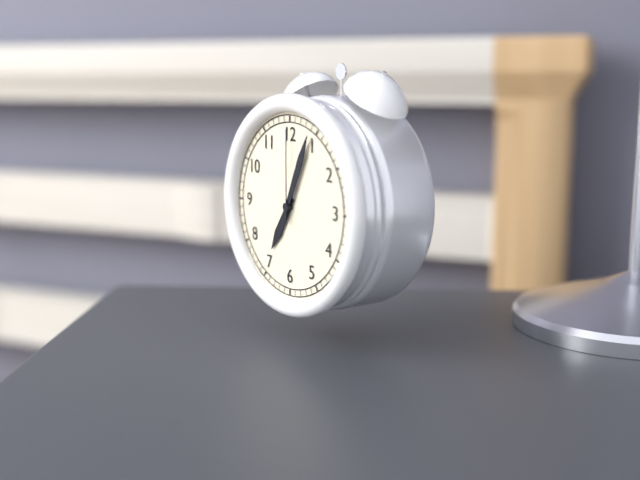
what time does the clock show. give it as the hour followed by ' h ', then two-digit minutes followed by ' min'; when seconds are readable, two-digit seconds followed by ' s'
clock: 7 h 04 min 00 s
